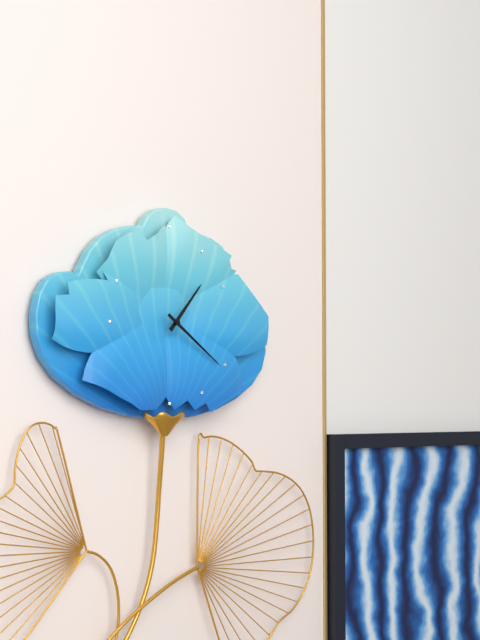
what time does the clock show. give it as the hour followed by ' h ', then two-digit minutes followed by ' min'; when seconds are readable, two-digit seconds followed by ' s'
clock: 1 h 21 min
